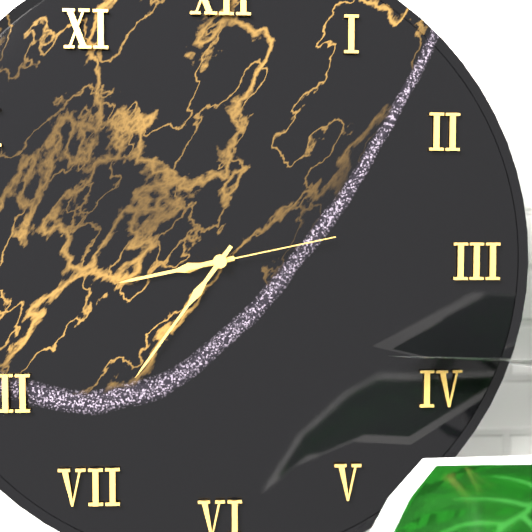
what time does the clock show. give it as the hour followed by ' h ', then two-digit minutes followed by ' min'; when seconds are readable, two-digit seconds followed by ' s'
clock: 8 h 36 min 13 s
